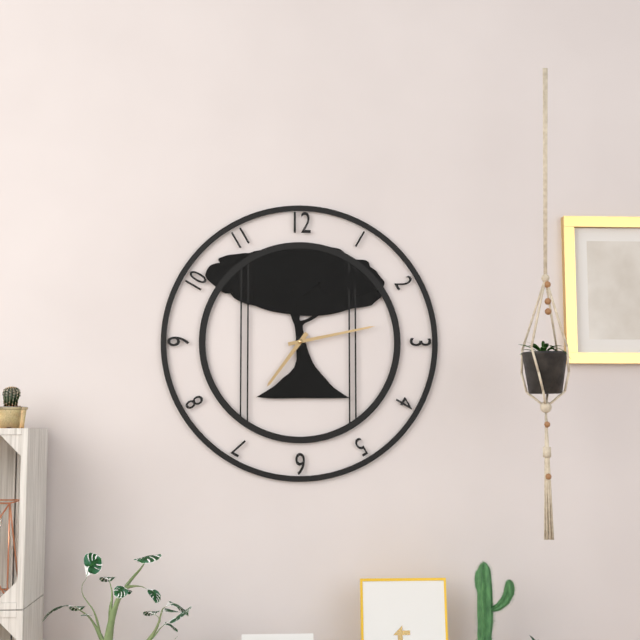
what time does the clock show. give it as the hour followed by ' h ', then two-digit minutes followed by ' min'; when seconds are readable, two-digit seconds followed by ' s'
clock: 7 h 13 min
